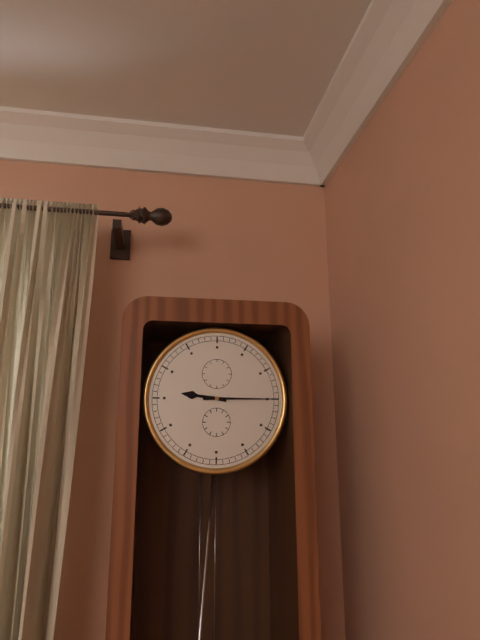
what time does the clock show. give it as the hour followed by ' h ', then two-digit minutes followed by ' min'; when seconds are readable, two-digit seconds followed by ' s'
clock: 9 h 15 min
